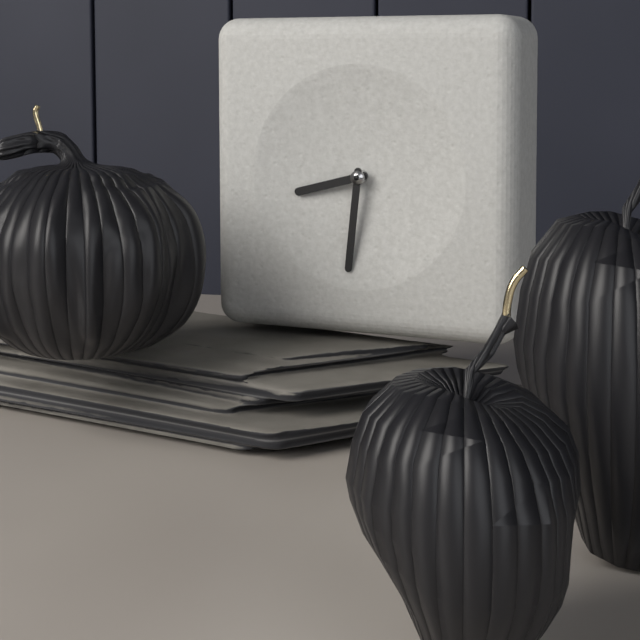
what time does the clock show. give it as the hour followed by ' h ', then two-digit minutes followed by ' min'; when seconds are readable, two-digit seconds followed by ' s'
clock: 8 h 31 min
